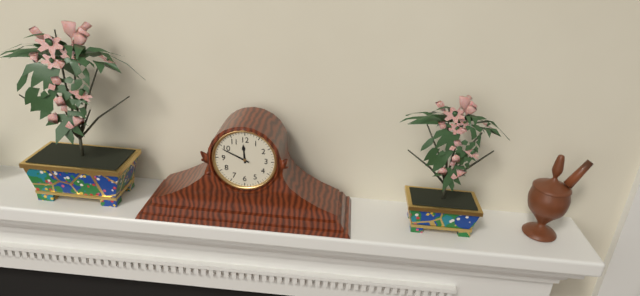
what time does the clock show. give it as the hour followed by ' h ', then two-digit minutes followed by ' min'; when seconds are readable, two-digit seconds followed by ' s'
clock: 11 h 49 min
